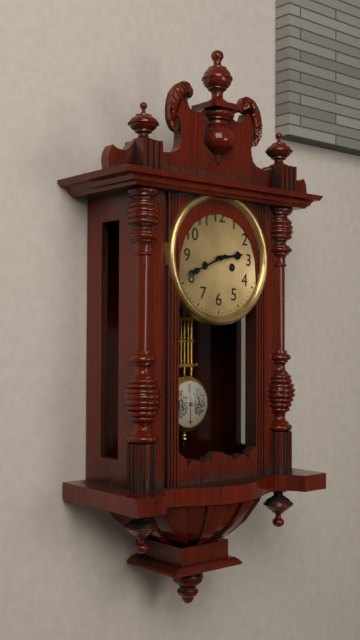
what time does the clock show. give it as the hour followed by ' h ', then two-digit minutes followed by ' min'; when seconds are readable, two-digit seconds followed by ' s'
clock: 2 h 41 min
